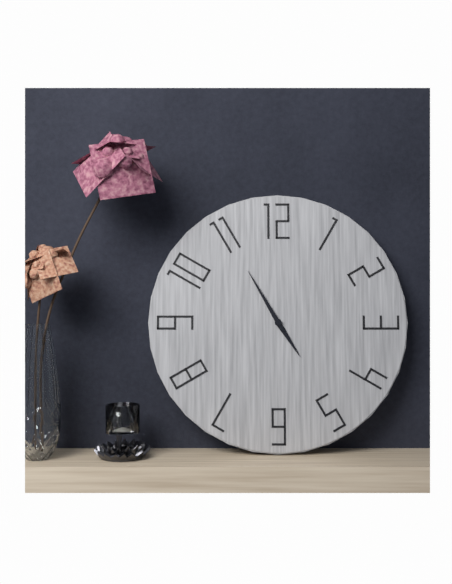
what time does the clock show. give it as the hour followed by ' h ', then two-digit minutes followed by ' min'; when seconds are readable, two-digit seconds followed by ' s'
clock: 4 h 55 min
